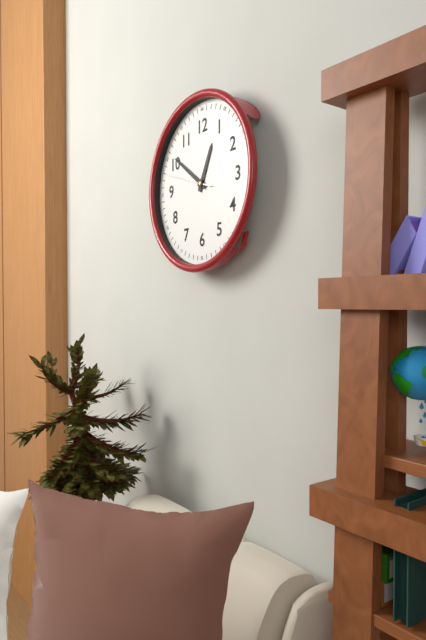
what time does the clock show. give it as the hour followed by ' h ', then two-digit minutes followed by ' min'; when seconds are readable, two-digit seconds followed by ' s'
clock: 12 h 51 min
